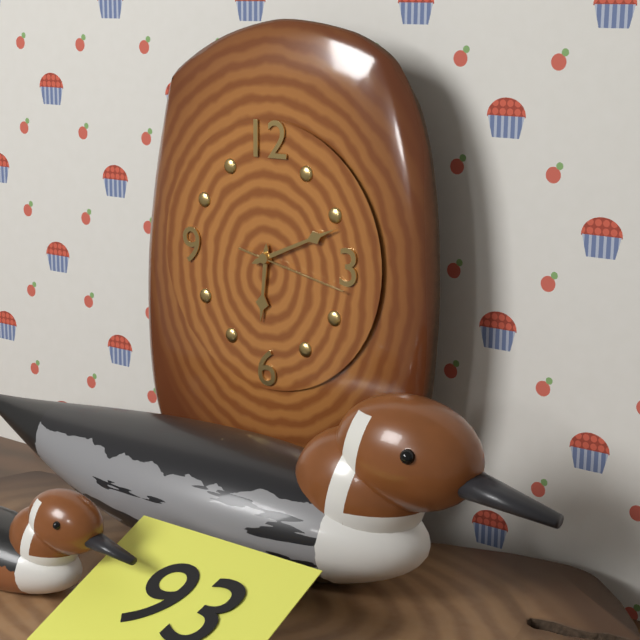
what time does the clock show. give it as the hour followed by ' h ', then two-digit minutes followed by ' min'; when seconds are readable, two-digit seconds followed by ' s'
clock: 6 h 11 min 17 s
